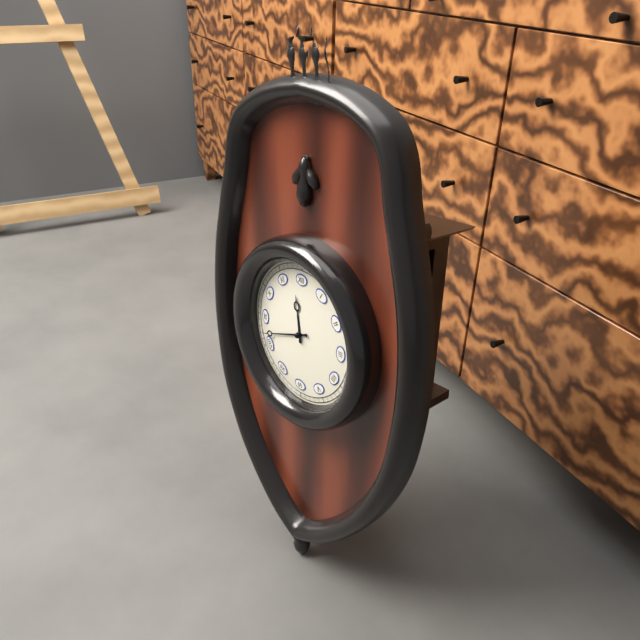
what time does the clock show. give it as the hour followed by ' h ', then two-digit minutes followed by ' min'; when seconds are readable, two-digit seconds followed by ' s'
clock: 11 h 42 min
